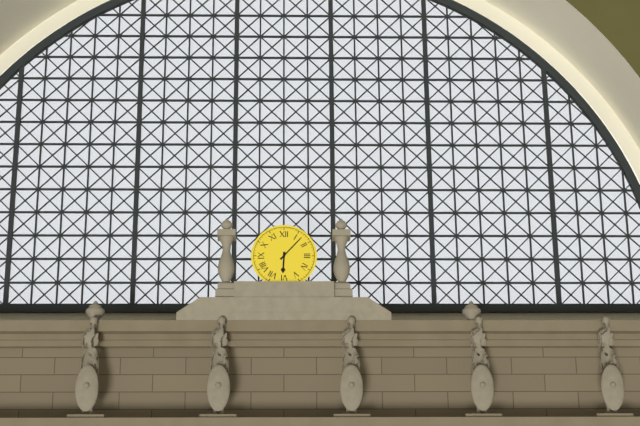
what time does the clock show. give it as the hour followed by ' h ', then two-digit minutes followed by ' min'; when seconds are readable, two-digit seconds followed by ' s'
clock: 6 h 07 min
